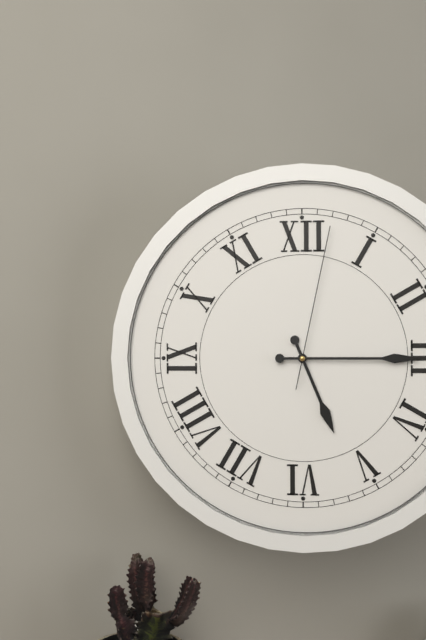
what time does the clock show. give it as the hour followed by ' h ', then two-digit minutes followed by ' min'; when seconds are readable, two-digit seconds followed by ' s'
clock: 5 h 15 min 02 s
